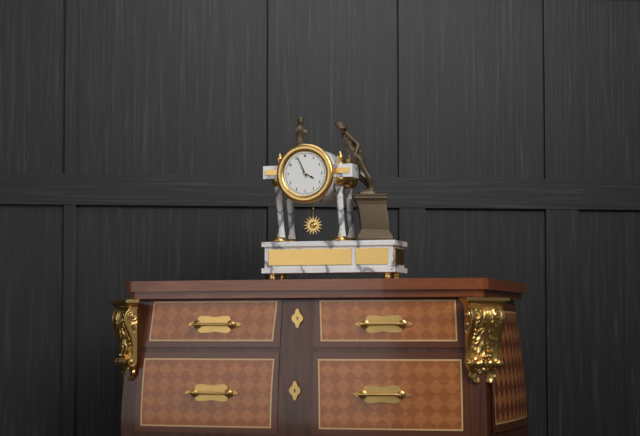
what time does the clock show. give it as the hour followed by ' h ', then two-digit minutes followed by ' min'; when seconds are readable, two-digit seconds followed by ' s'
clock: 3 h 56 min
